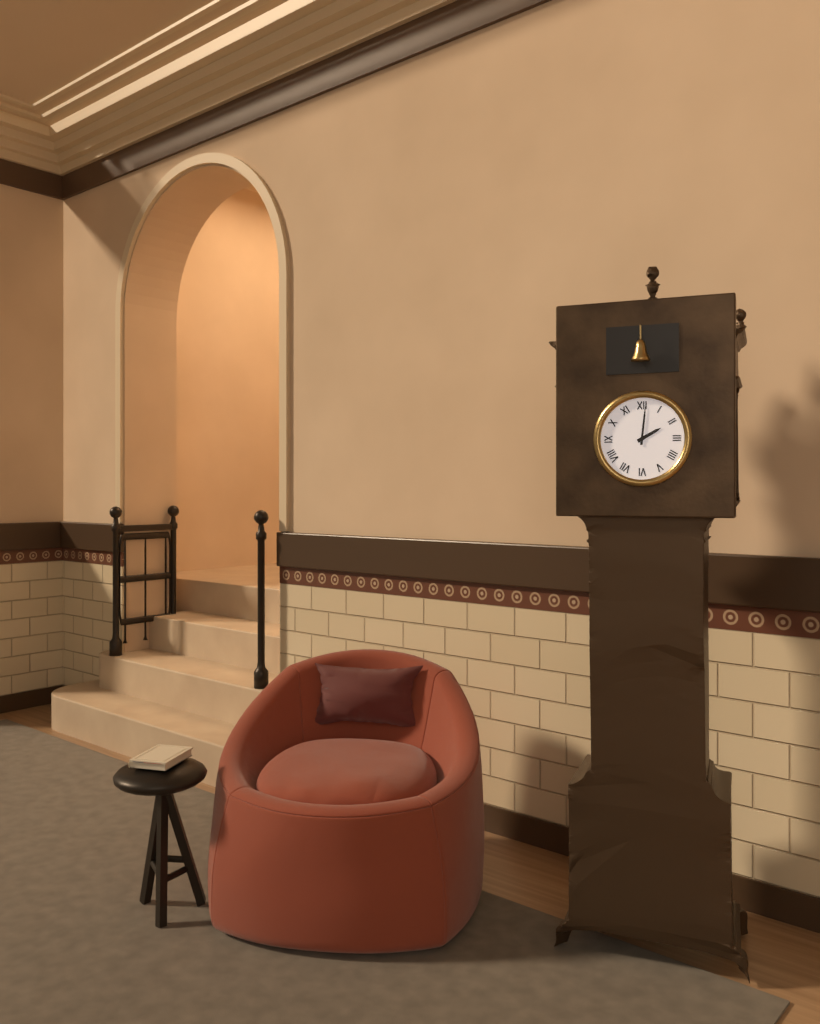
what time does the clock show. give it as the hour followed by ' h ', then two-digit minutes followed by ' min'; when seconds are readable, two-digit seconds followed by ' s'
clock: 2 h 01 min
